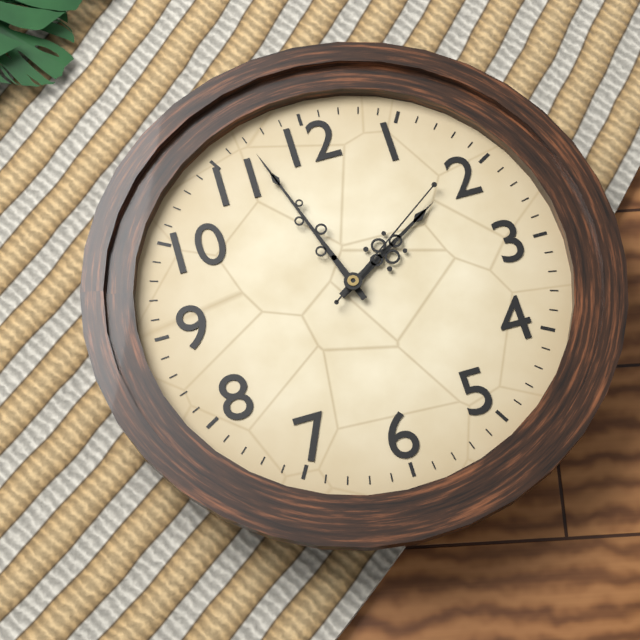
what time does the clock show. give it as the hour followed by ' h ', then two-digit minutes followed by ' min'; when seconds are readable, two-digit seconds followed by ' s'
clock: 1 h 57 min 09 s
